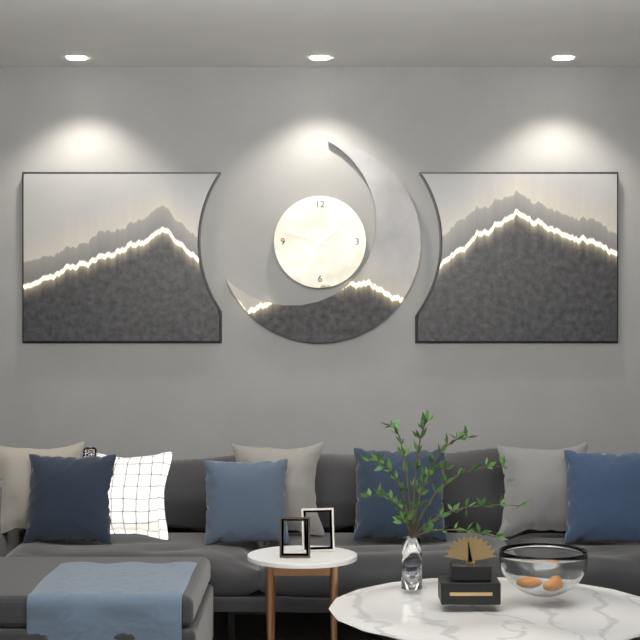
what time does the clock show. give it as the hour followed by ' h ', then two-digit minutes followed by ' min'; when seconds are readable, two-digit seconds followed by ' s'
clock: 1 h 48 min
